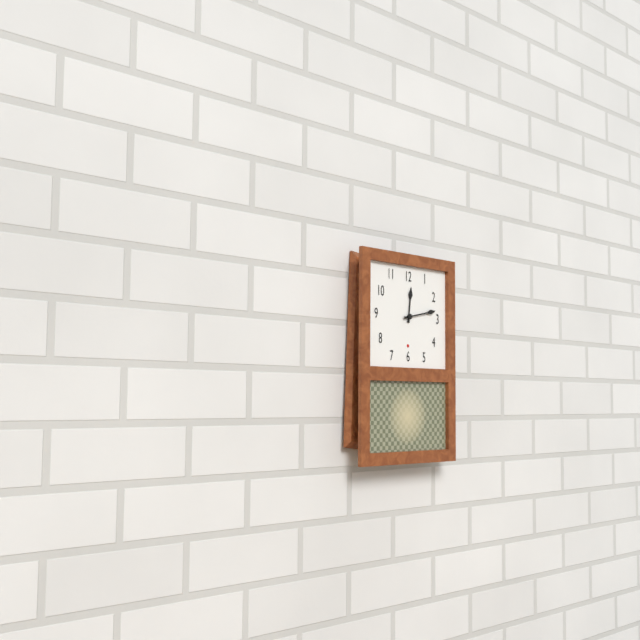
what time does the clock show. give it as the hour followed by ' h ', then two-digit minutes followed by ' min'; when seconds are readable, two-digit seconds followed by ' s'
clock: 12 h 13 min
